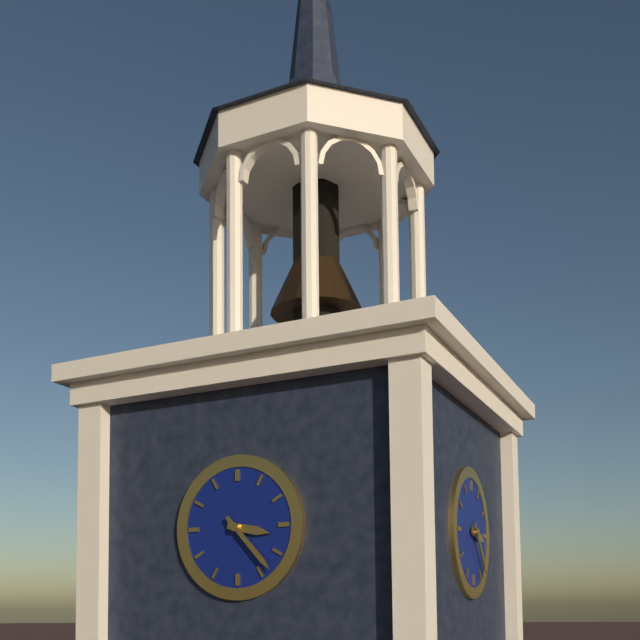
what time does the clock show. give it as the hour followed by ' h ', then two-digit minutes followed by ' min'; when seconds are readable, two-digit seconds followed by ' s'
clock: 3 h 23 min
